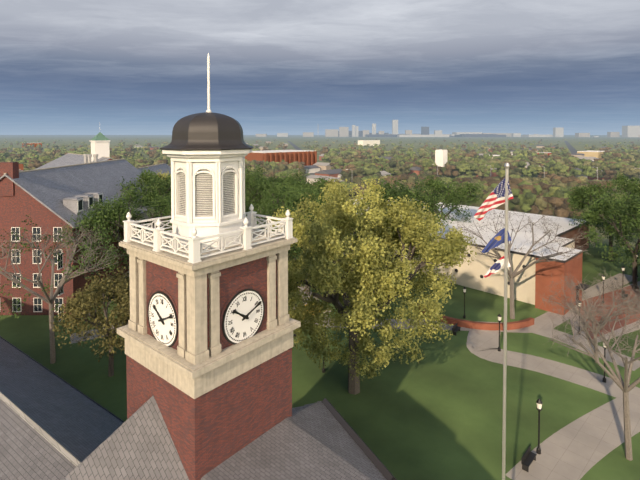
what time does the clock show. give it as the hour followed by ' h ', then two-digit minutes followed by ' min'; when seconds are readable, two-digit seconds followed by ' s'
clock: 10 h 11 min
